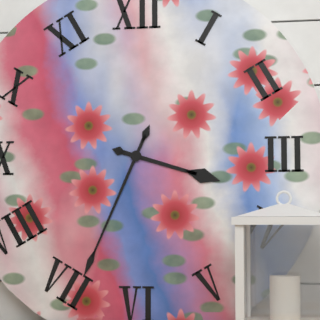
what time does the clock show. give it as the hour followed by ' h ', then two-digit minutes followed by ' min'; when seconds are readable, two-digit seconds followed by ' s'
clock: 3 h 34 min
